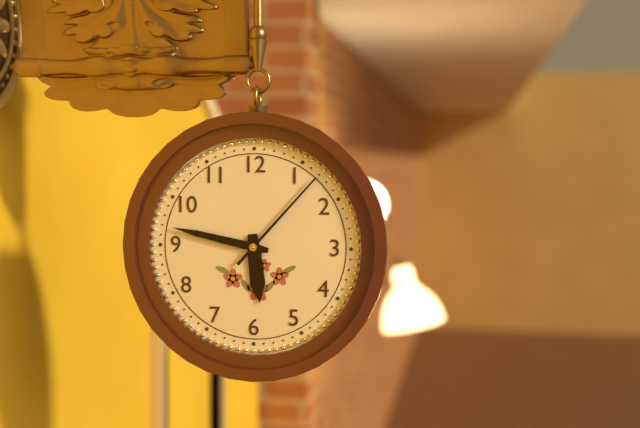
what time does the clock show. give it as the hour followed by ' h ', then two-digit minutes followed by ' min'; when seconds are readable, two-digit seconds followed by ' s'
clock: 5 h 47 min 07 s
